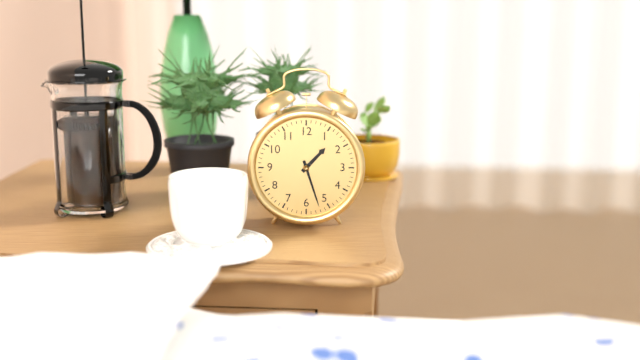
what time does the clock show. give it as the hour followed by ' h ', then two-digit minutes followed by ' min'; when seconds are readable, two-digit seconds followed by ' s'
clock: 1 h 27 min
